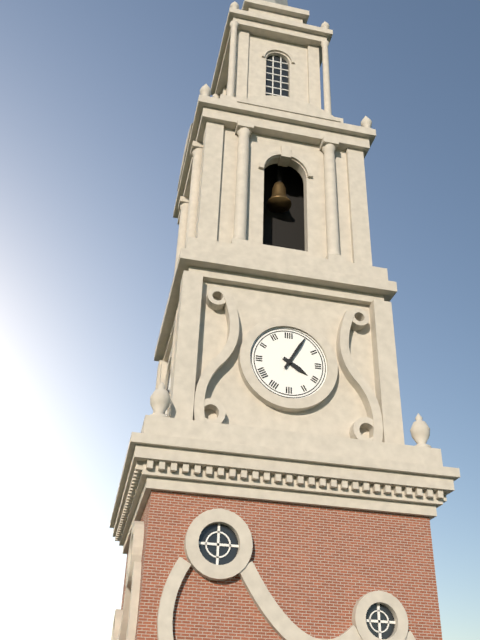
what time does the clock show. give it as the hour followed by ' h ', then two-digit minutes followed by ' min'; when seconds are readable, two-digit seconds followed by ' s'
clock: 4 h 05 min
